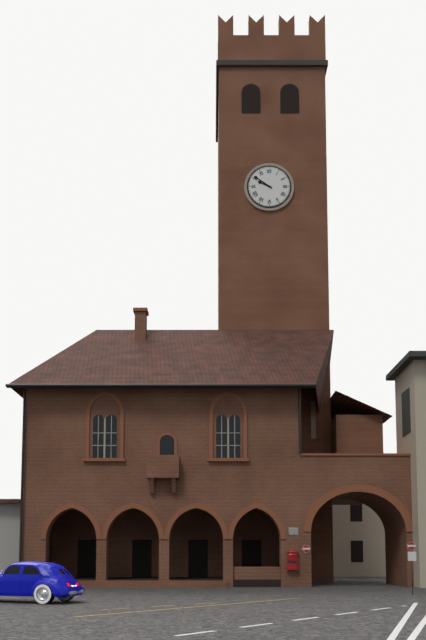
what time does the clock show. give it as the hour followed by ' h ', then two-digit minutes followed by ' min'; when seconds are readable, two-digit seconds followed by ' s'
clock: 9 h 51 min
